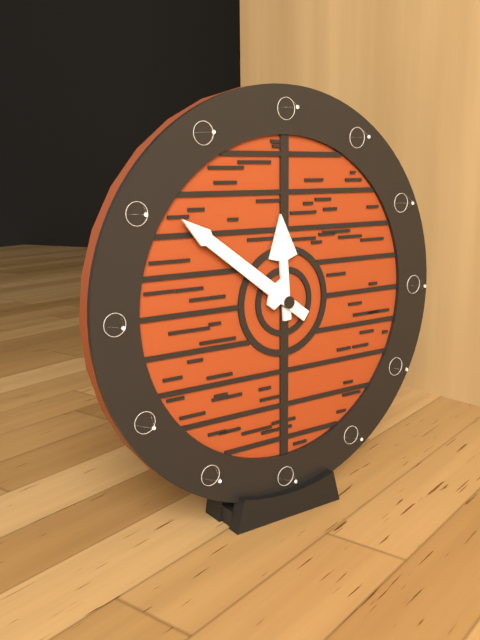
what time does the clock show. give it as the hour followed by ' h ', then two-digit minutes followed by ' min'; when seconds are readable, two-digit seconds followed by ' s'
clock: 11 h 51 min
